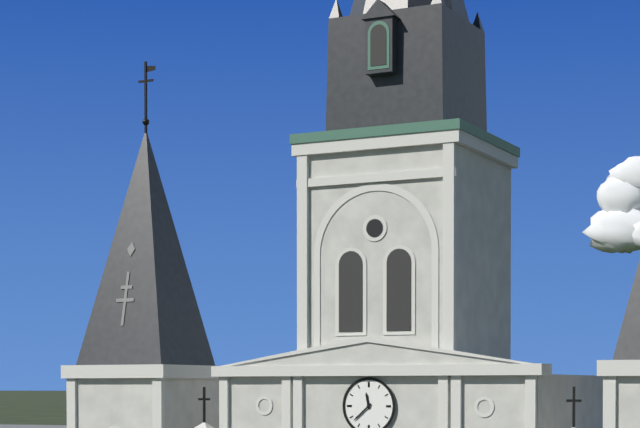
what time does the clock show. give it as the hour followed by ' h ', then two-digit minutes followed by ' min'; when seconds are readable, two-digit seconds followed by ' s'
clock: 11 h 38 min
